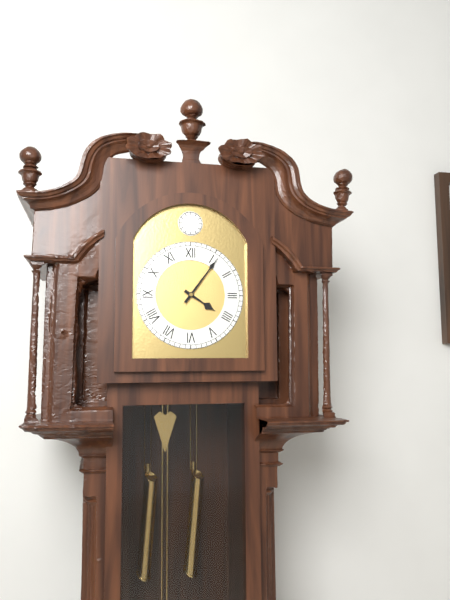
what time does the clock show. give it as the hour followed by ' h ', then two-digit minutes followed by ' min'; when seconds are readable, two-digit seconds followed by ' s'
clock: 4 h 06 min
